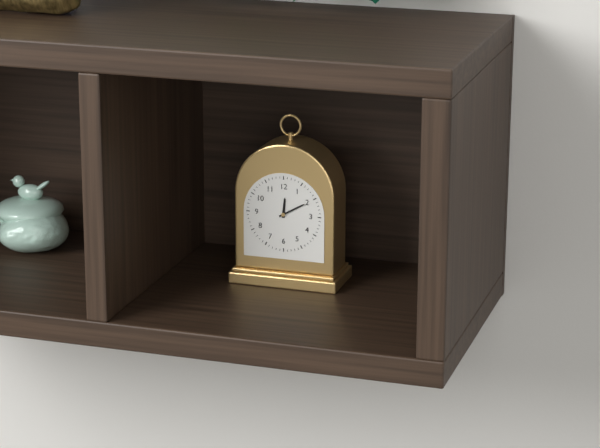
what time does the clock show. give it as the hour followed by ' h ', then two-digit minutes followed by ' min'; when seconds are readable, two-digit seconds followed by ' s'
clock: 12 h 10 min
